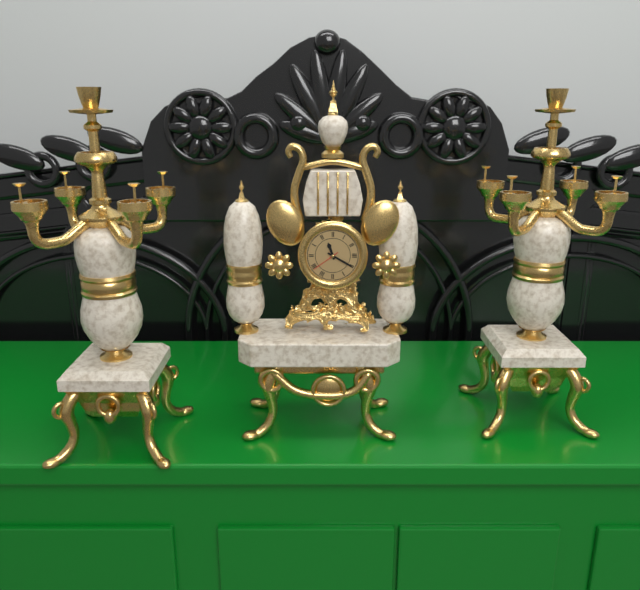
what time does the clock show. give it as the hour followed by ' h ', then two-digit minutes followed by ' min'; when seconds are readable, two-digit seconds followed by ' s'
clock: 11 h 20 min
